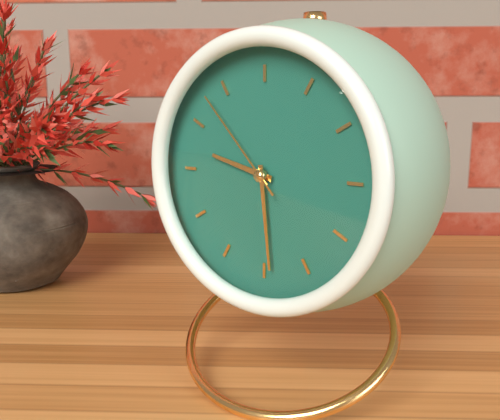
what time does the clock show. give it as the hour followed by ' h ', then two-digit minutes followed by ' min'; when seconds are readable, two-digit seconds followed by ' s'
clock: 9 h 29 min 53 s
